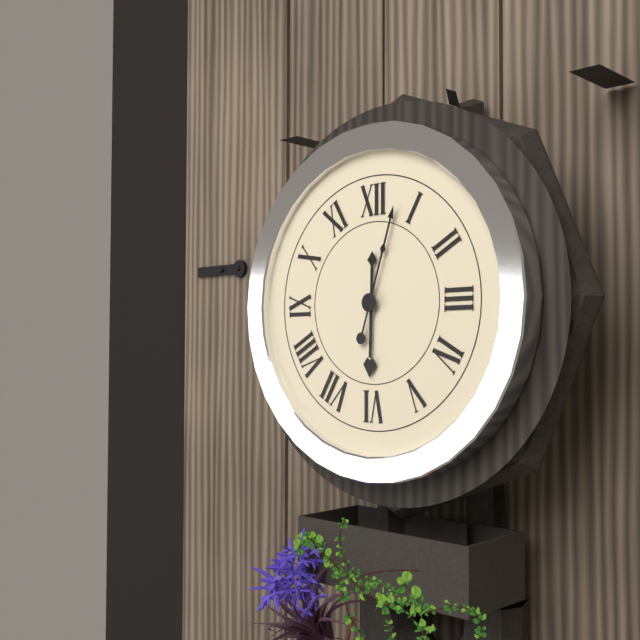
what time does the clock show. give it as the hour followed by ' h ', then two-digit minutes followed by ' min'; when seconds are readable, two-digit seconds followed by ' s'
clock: 6 h 03 min
